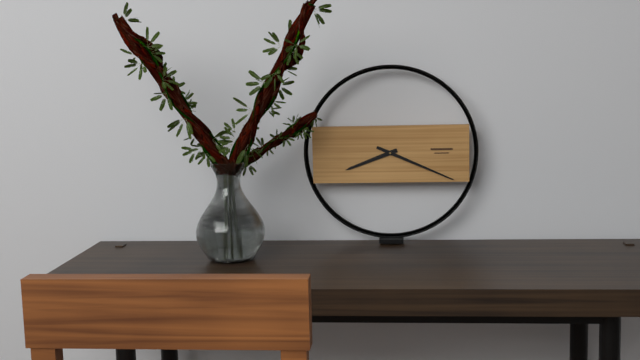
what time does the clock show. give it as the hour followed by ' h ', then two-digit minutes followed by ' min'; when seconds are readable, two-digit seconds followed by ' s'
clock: 8 h 19 min
